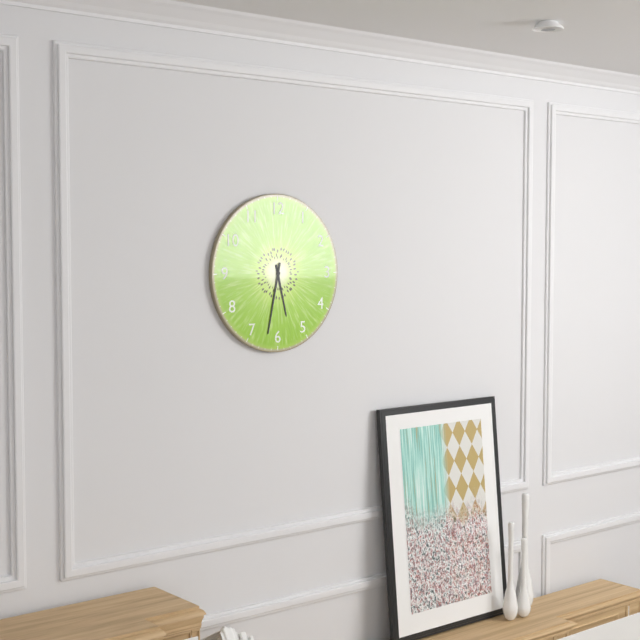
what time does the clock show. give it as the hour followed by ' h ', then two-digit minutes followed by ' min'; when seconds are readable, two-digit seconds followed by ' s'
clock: 5 h 32 min
